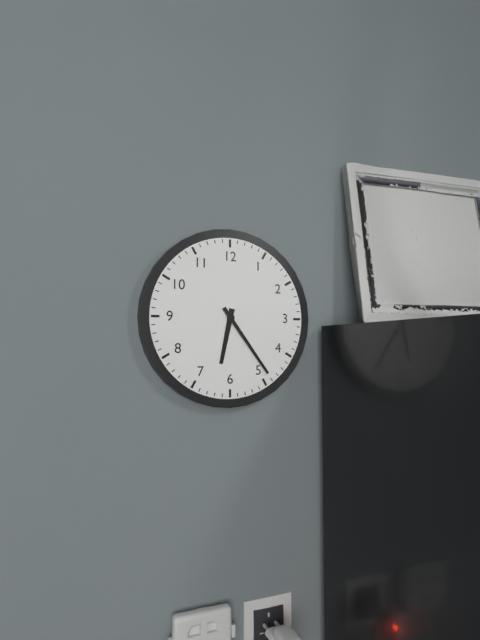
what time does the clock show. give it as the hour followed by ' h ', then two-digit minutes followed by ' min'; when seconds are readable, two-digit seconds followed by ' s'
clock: 6 h 24 min
